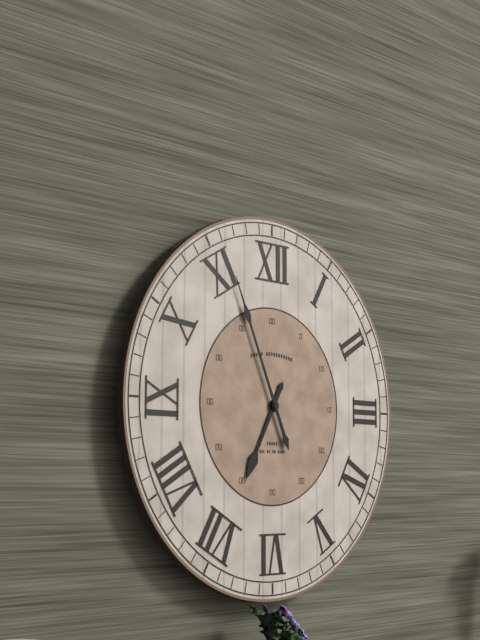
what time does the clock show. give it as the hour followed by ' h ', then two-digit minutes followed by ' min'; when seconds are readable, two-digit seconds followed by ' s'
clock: 6 h 56 min
